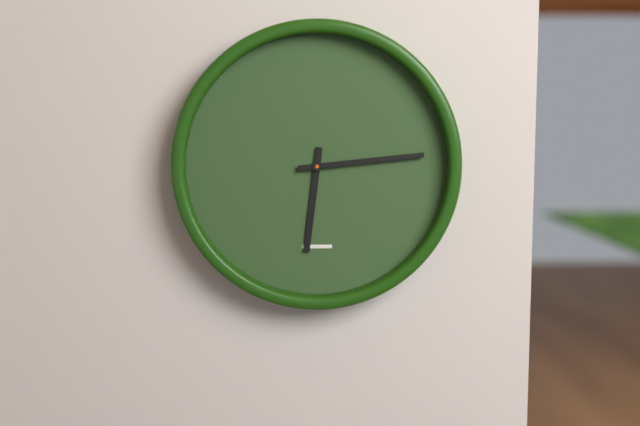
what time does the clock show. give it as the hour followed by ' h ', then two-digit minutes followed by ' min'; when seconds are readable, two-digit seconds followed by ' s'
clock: 6 h 14 min
